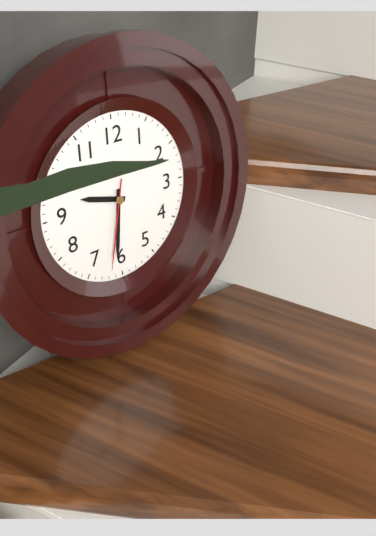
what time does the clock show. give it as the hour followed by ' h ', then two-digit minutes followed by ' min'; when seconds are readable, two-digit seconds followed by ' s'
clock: 9 h 31 min 32 s
